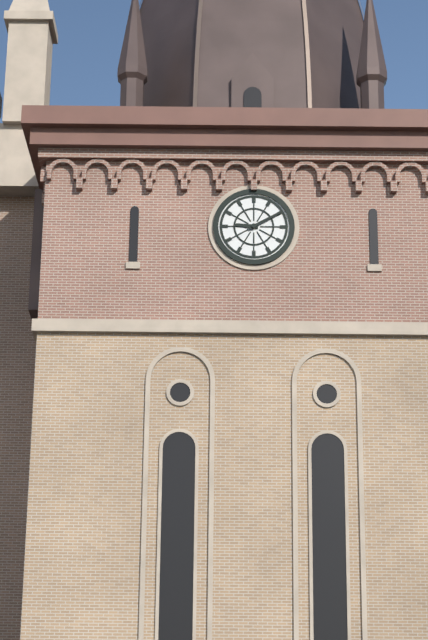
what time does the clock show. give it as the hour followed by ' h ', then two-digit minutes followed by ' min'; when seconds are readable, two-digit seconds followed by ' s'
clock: 9 h 10 min
